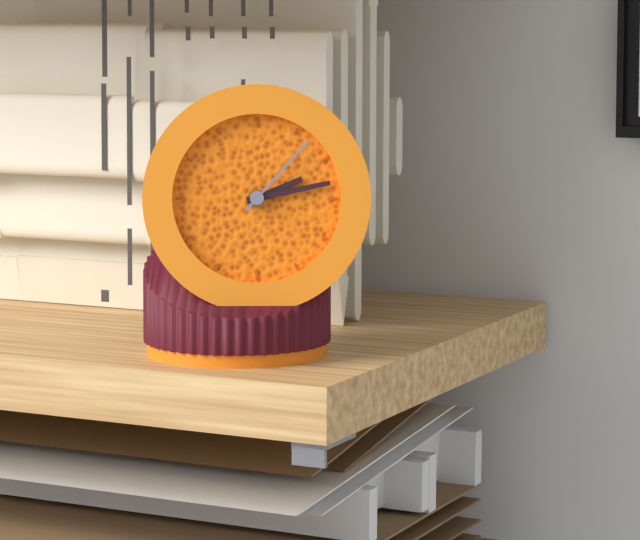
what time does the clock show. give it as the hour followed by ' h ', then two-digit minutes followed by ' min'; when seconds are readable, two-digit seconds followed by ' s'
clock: 2 h 13 min 07 s
